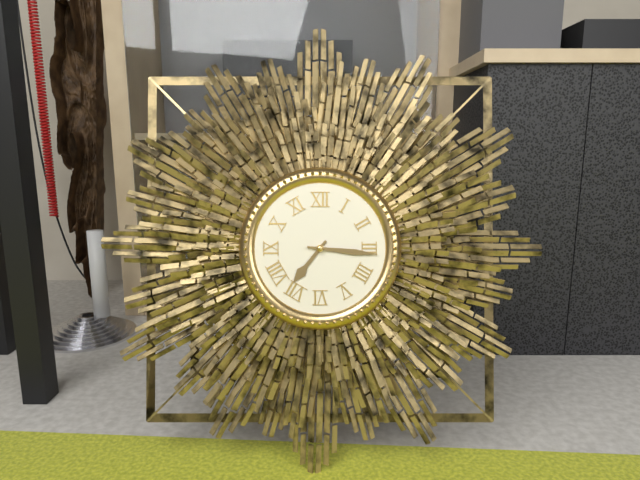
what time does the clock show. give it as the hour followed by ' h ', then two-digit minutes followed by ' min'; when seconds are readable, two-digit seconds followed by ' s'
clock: 7 h 16 min
